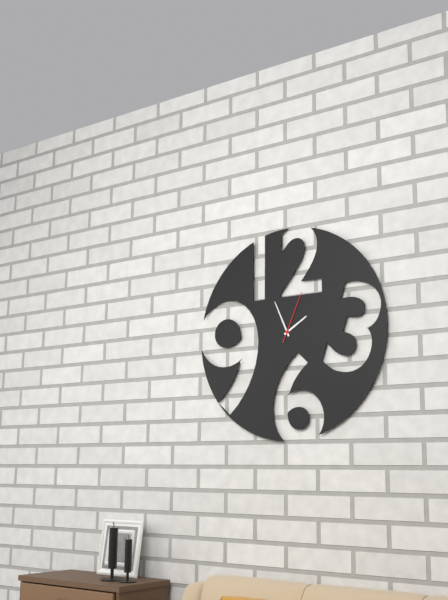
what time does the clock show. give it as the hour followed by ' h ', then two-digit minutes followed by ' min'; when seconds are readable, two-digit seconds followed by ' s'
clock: 1 h 56 min 04 s
